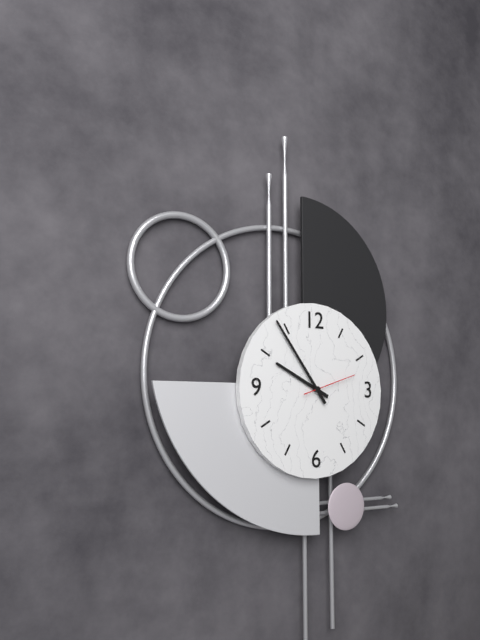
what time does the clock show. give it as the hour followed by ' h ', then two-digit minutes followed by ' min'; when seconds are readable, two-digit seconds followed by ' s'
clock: 9 h 54 min 12 s
